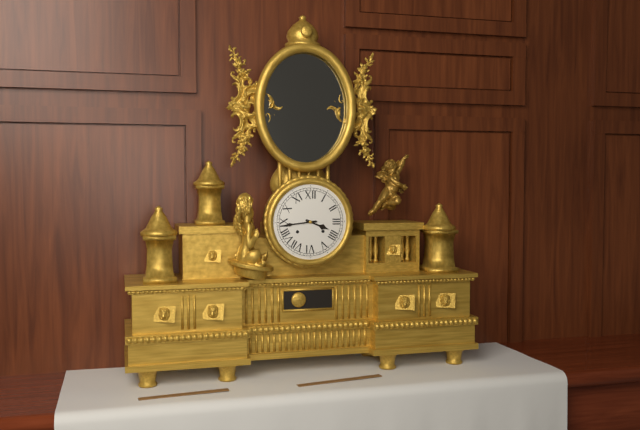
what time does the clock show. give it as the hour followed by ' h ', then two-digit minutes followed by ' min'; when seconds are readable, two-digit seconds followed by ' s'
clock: 3 h 44 min
